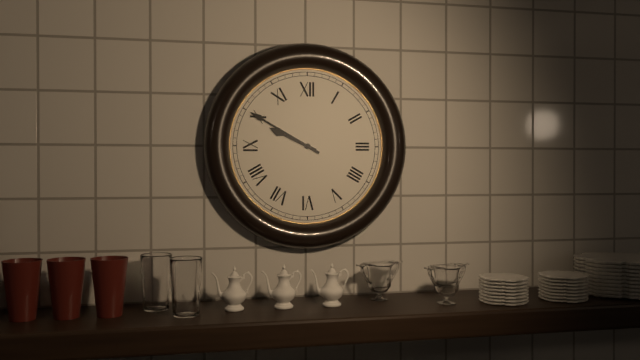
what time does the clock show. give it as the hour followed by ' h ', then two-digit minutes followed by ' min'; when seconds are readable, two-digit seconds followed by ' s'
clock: 9 h 50 min
